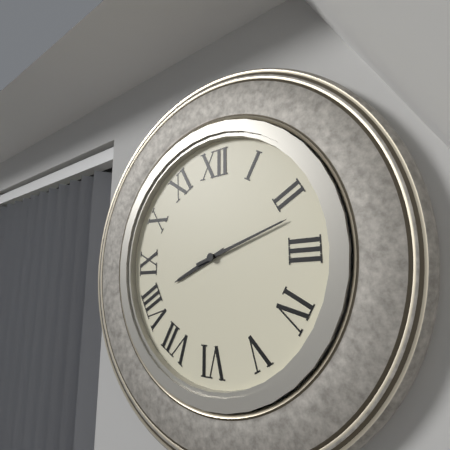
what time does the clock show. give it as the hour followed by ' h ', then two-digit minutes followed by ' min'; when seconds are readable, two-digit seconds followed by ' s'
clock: 8 h 12 min
